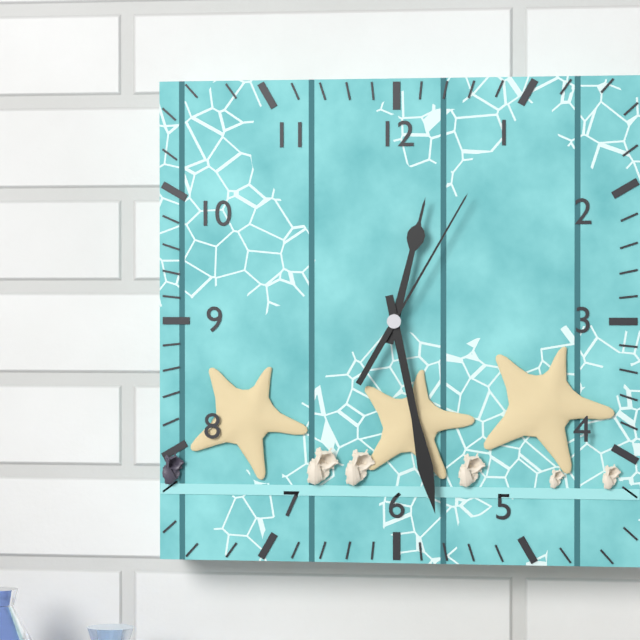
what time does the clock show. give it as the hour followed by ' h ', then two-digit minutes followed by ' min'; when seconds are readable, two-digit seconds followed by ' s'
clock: 12 h 28 min 05 s
